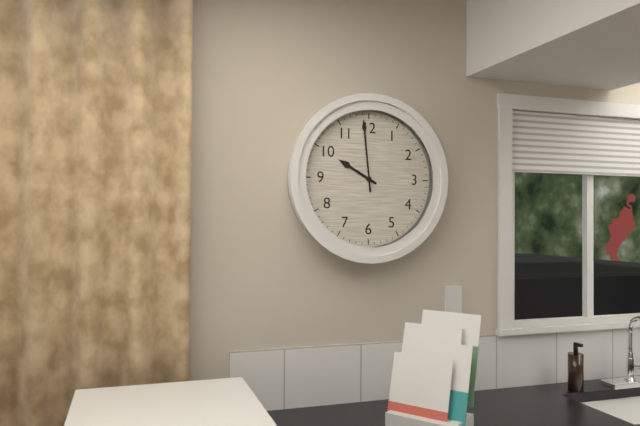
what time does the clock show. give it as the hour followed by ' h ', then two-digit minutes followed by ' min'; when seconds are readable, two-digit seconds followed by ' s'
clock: 9 h 59 min
